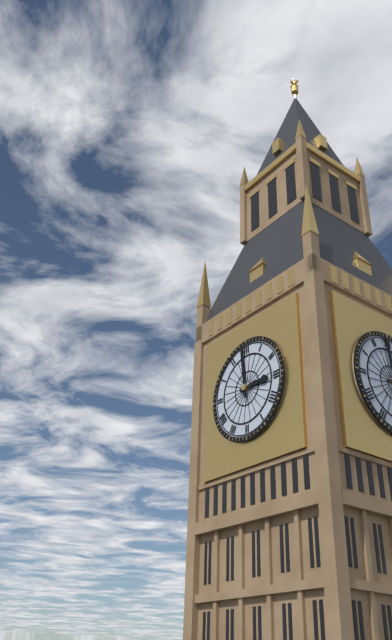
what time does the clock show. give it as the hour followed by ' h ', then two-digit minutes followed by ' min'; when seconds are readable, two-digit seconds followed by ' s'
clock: 2 h 59 min
